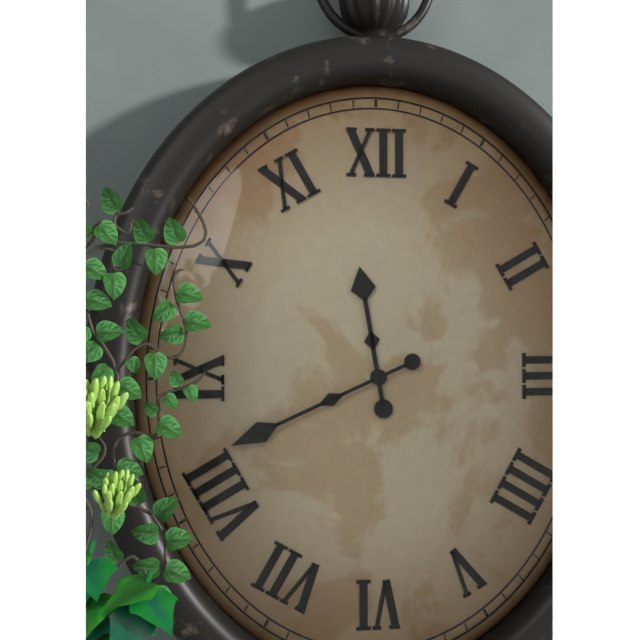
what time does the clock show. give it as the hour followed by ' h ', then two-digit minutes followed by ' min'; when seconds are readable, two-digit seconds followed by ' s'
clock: 11 h 41 min
